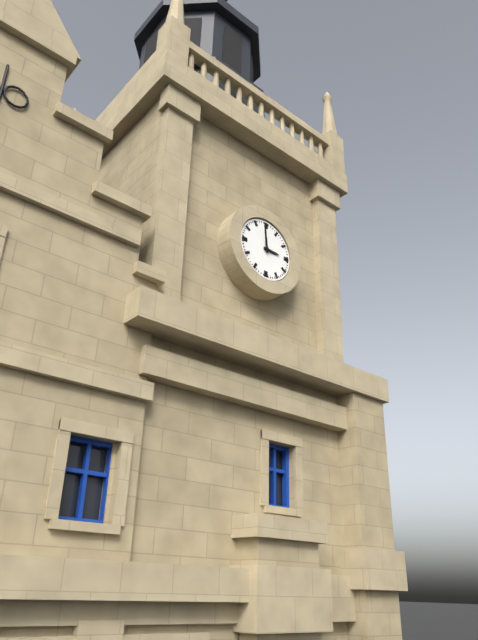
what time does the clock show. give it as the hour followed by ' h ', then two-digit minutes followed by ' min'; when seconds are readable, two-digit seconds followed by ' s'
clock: 2 h 59 min
